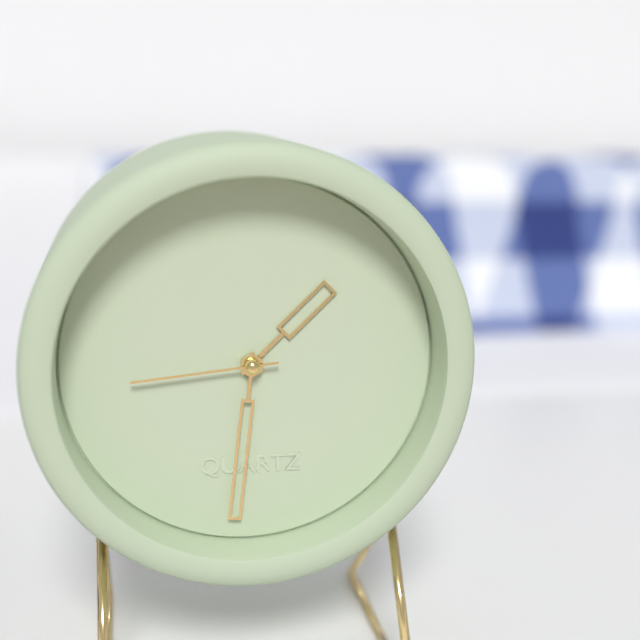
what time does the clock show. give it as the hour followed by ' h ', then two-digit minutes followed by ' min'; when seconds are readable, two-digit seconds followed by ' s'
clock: 1 h 31 min 44 s
